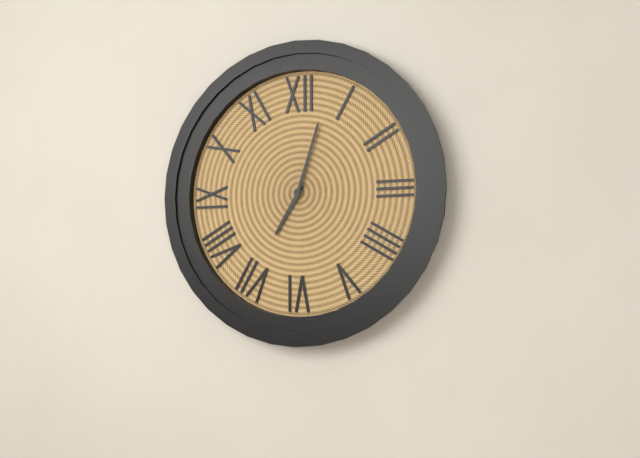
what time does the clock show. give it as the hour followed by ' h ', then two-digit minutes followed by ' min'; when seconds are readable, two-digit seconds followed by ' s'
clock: 7 h 03 min
